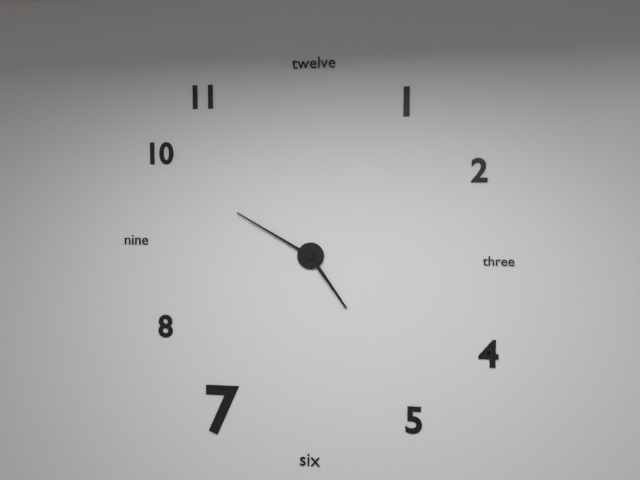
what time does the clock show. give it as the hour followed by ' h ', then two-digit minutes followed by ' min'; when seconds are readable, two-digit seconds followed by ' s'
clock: 4 h 50 min
